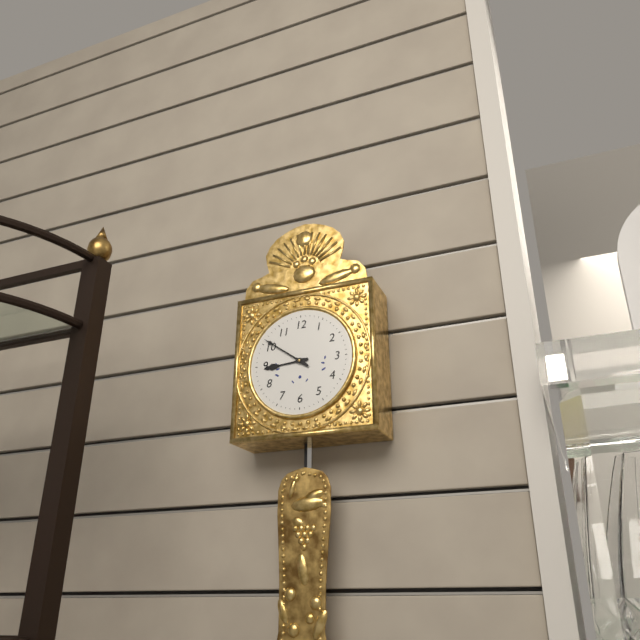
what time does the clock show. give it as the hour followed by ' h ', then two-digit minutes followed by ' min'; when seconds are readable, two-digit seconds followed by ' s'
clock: 8 h 51 min
